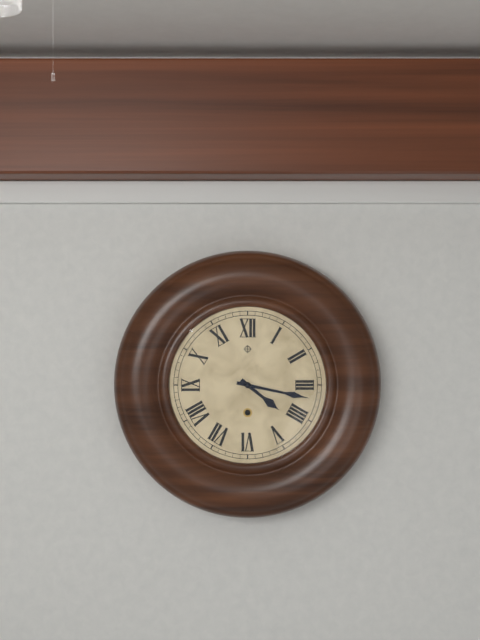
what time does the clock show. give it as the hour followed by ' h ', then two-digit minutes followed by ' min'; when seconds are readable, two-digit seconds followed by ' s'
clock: 4 h 17 min
